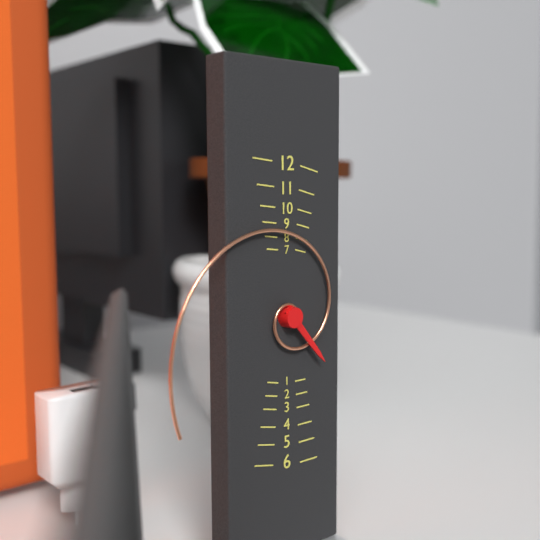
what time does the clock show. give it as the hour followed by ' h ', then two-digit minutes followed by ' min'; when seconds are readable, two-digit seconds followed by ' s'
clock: 4 h 39 min
